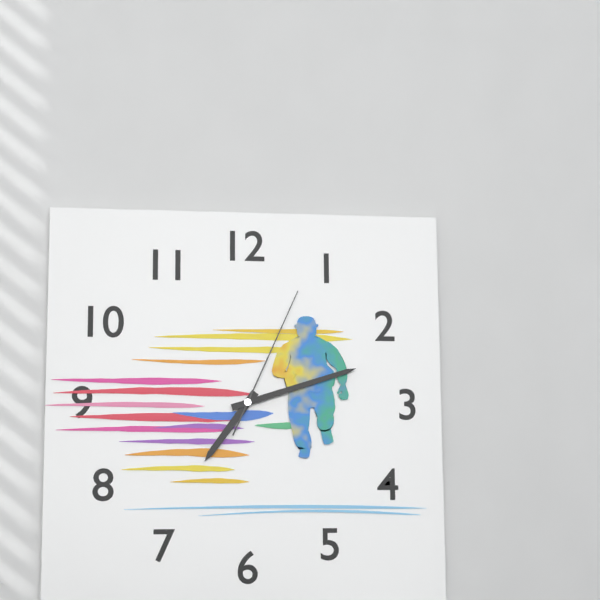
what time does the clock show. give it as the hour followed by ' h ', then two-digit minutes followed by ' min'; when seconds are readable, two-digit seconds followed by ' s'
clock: 7 h 12 min 04 s
